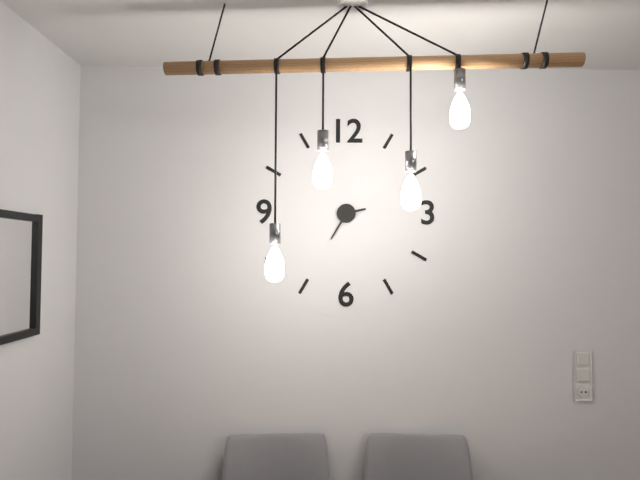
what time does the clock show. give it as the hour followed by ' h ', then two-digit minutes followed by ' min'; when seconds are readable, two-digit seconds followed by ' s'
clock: 2 h 35 min
